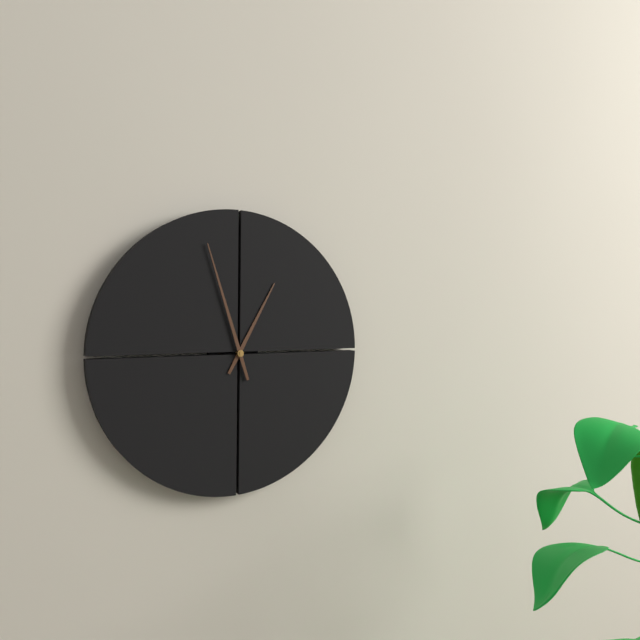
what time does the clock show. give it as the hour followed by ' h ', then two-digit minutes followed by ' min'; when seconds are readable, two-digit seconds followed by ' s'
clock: 12 h 57 min
